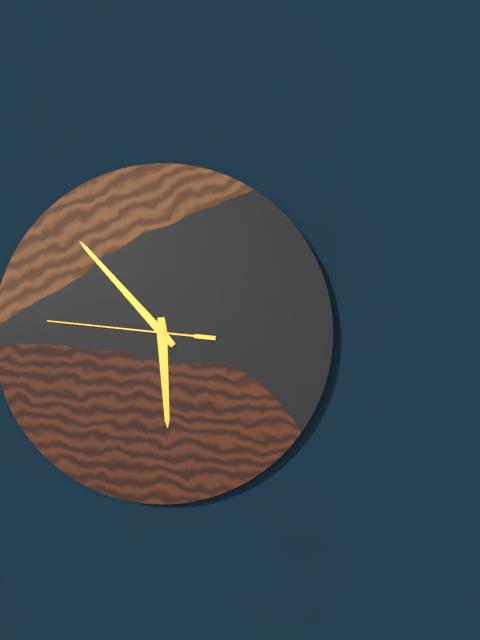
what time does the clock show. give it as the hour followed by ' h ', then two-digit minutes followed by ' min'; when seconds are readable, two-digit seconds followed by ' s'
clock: 5 h 53 min 46 s
